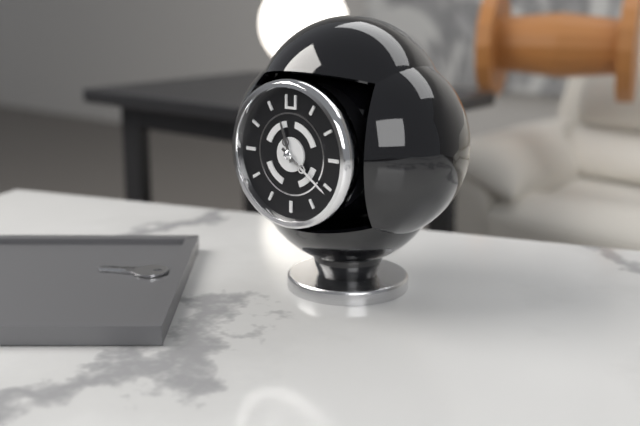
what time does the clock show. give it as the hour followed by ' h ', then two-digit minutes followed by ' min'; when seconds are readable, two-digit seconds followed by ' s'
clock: 11 h 21 min
